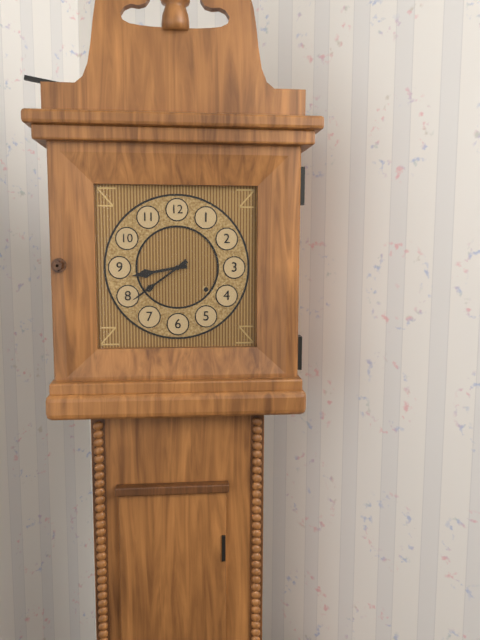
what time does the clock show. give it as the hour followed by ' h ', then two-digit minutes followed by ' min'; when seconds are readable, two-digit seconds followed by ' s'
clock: 8 h 39 min
